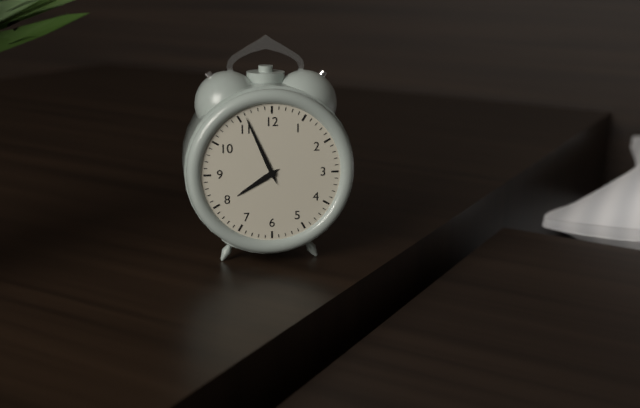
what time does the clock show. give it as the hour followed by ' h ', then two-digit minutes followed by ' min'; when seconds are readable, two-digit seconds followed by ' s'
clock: 7 h 56 min
